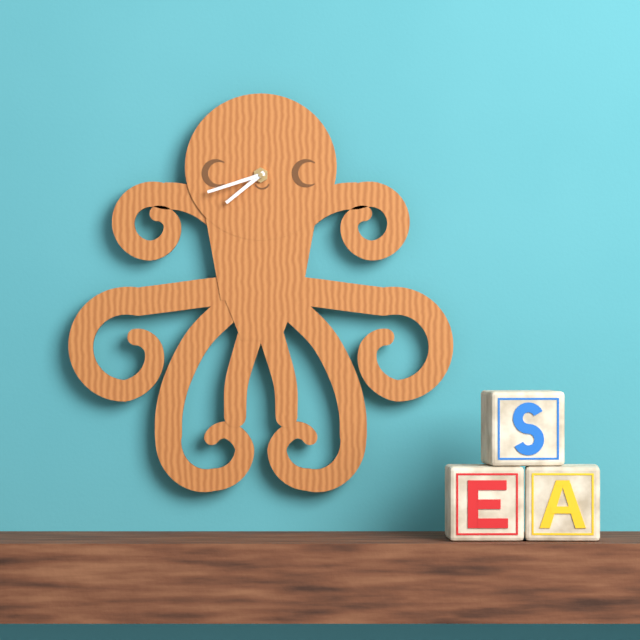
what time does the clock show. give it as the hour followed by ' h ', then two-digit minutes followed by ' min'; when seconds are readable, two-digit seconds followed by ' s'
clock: 7 h 42 min
